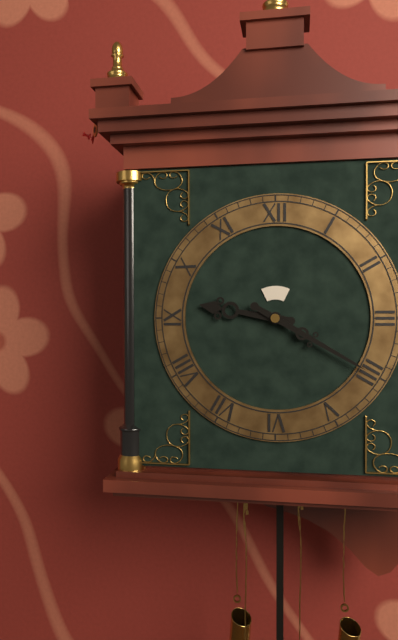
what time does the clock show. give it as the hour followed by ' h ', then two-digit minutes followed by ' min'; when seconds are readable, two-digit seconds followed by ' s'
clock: 9 h 20 min
